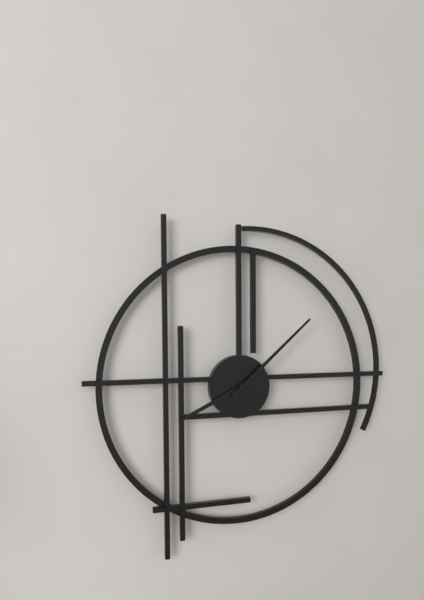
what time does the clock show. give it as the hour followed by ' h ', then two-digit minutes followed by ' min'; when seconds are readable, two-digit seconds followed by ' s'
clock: 8 h 08 min
